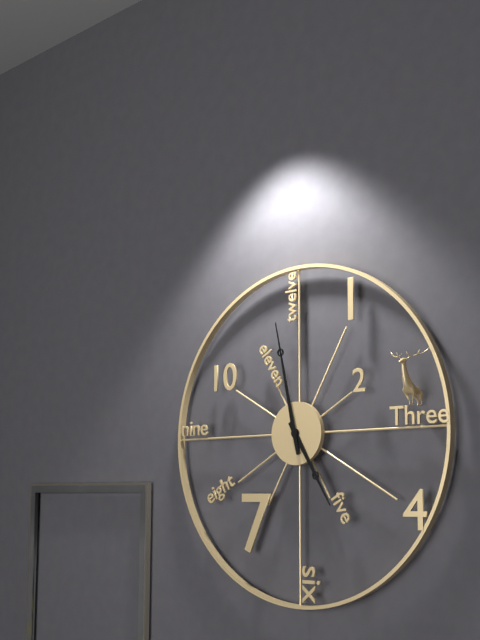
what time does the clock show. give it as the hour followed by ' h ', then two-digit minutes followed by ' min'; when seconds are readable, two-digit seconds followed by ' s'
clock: 4 h 58 min
